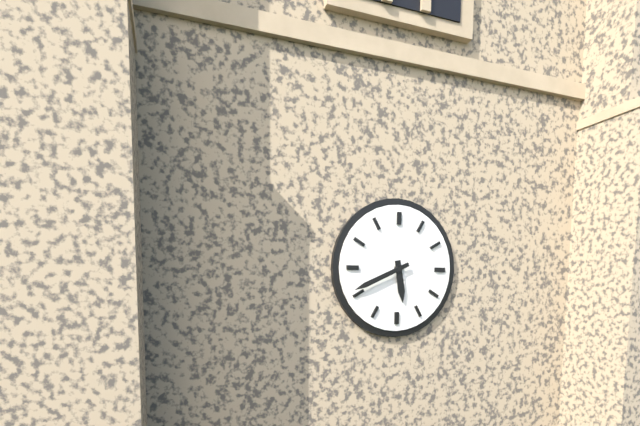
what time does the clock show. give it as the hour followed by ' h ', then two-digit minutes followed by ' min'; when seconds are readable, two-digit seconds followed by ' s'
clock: 5 h 41 min
